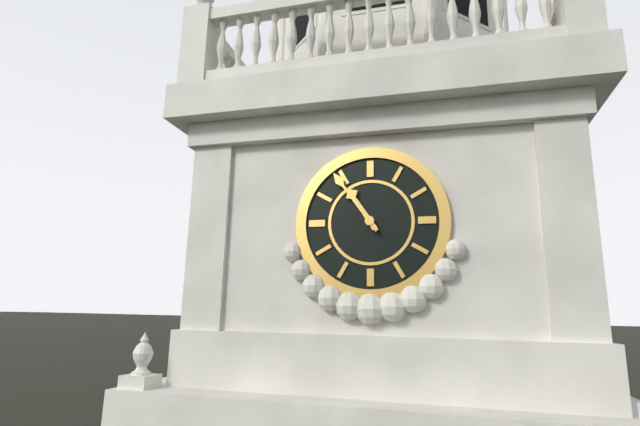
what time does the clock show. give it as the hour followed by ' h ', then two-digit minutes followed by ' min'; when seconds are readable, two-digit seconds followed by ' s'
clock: 10 h 54 min
